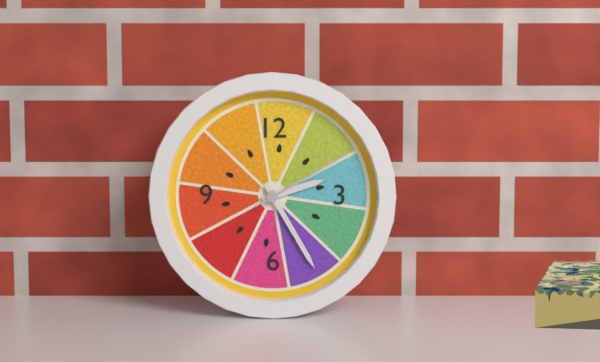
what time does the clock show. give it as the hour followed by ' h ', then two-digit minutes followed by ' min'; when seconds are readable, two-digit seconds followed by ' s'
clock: 2 h 25 min 10 s
